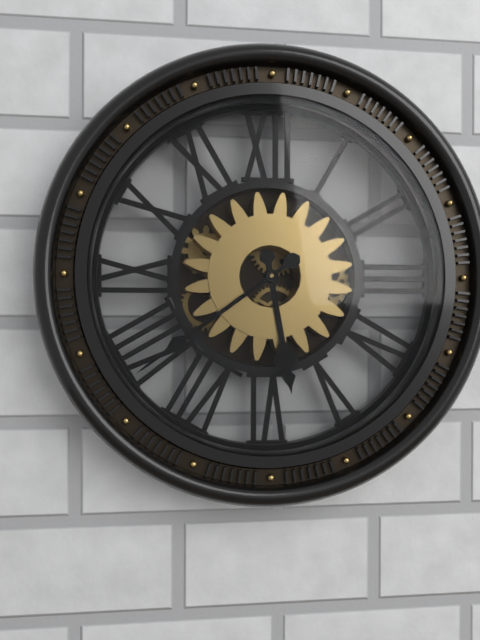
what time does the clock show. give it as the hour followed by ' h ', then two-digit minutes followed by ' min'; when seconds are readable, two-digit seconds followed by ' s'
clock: 5 h 39 min
